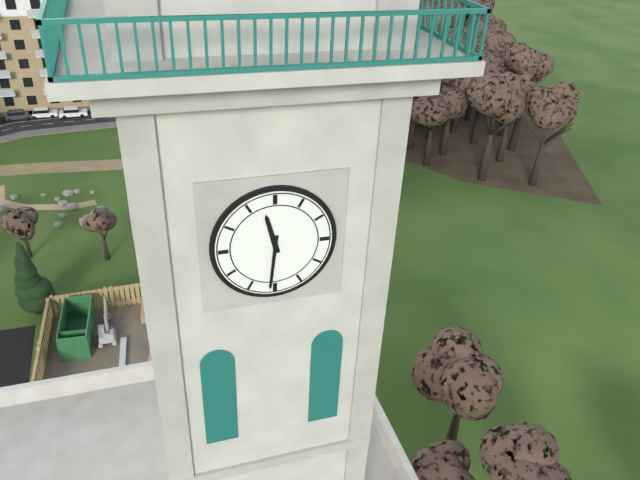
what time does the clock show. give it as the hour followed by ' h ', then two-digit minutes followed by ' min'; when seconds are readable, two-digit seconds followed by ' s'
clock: 11 h 31 min
